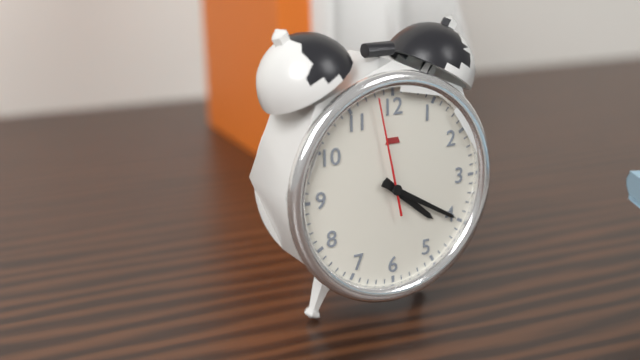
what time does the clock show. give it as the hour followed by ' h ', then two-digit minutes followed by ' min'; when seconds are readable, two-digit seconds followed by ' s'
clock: 4 h 20 min 58 s
